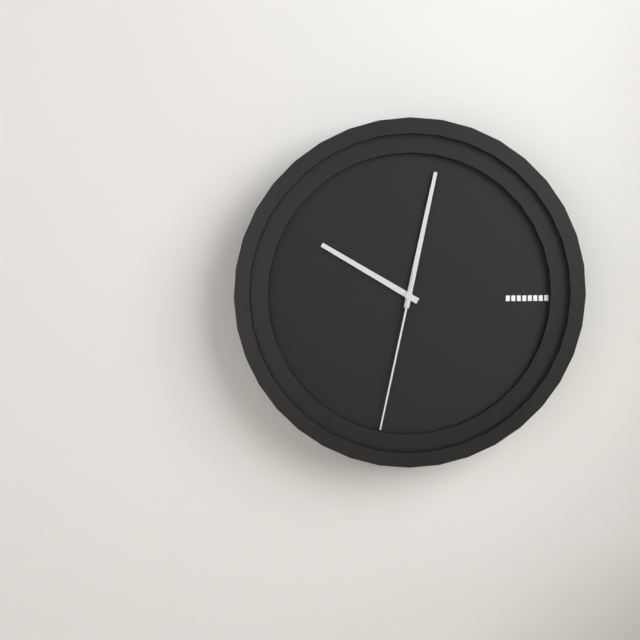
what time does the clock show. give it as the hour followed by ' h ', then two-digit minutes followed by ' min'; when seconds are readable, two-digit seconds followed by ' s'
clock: 10 h 02 min 32 s
